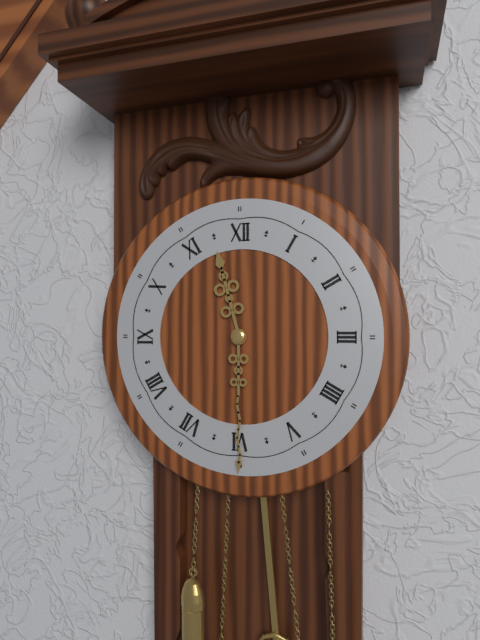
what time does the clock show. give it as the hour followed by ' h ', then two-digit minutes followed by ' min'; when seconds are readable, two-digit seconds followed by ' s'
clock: 11 h 30 min
